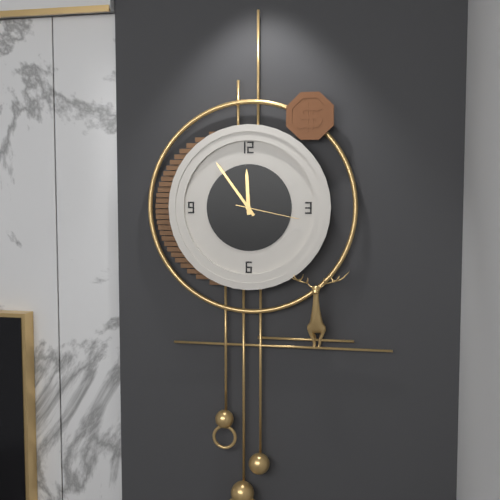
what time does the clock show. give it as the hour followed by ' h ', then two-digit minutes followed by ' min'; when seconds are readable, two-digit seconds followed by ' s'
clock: 11 h 54 min 17 s
